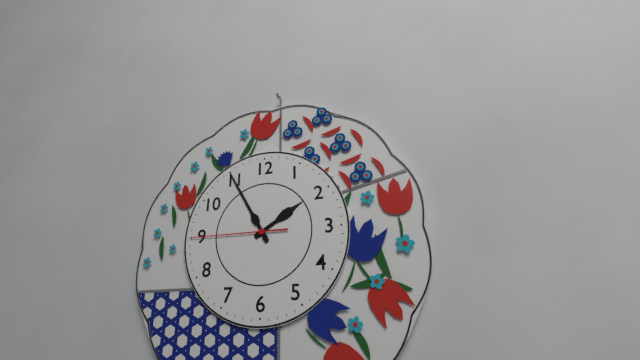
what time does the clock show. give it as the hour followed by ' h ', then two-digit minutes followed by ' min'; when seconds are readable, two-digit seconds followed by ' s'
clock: 1 h 55 min 45 s
